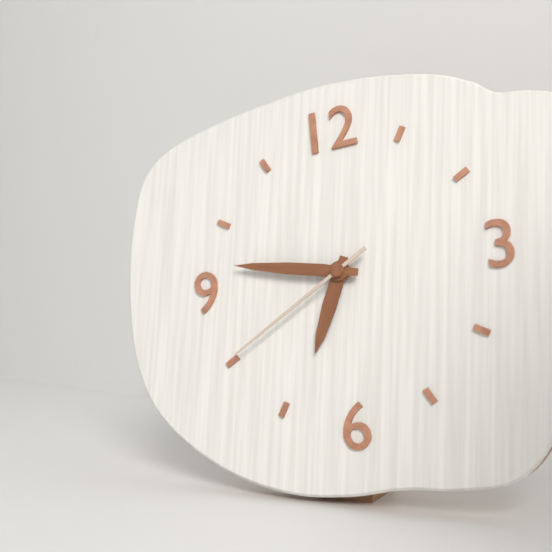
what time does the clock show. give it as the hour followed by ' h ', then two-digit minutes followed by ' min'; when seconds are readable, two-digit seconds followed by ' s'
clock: 6 h 47 min 40 s
